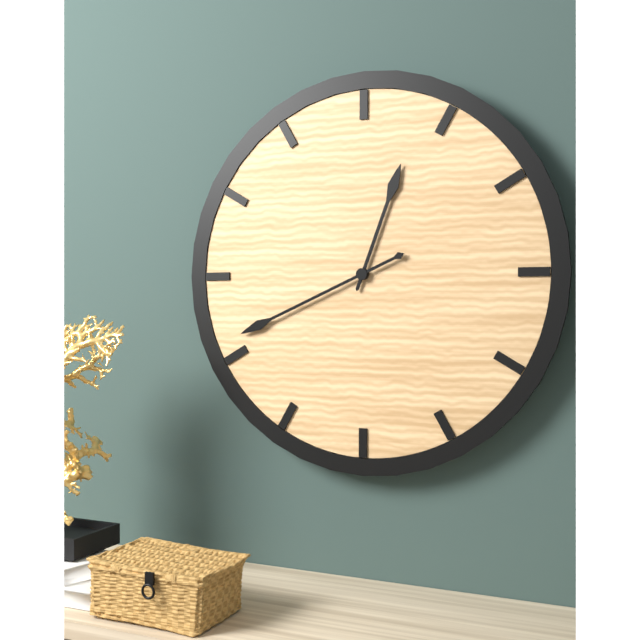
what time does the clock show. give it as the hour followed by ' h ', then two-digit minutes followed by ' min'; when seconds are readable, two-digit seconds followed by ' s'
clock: 12 h 41 min
